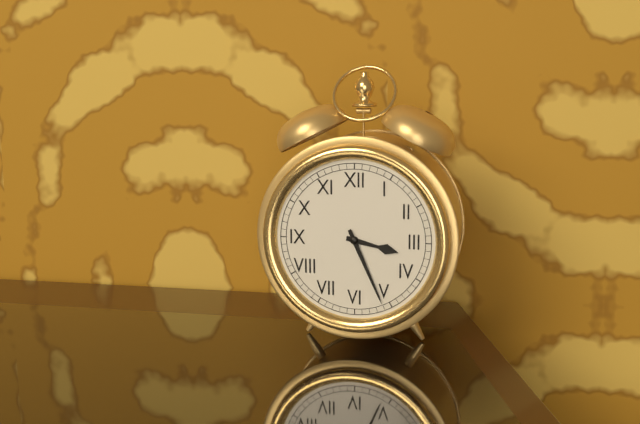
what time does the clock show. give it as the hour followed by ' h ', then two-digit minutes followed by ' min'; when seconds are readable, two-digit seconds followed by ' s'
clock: 3 h 26 min
